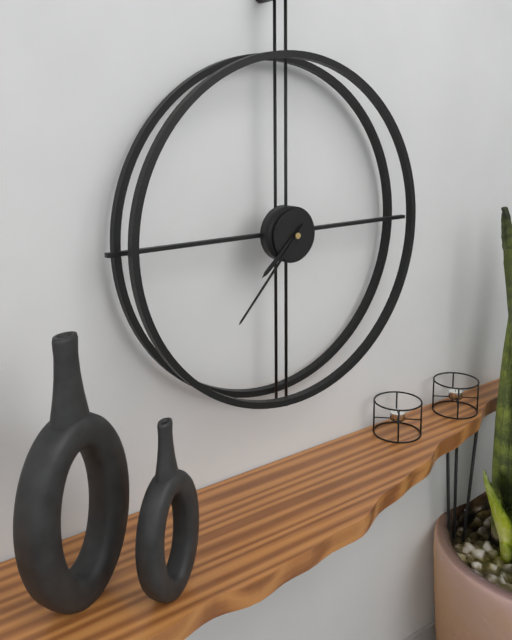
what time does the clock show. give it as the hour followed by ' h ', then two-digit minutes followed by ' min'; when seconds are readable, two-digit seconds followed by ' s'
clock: 7 h 37 min
